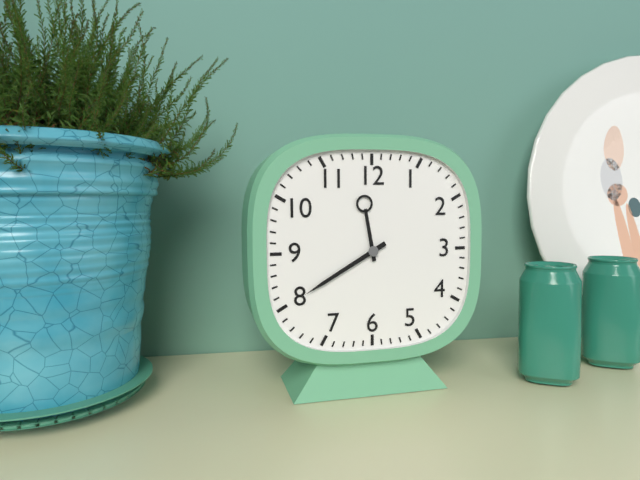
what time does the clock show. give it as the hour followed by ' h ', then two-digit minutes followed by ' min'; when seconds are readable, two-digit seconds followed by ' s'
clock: 11 h 40 min
